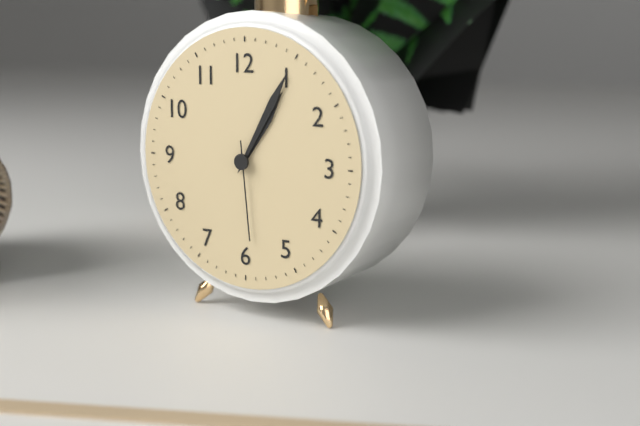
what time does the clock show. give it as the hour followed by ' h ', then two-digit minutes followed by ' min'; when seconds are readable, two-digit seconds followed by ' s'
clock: 1 h 05 min 29 s
